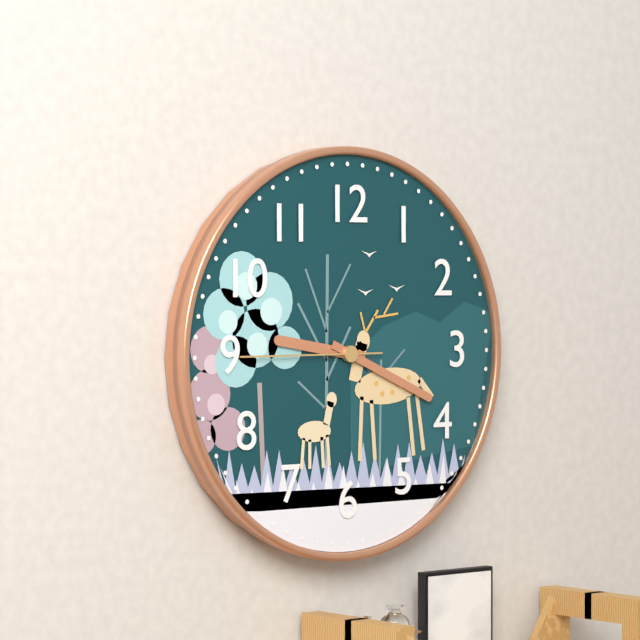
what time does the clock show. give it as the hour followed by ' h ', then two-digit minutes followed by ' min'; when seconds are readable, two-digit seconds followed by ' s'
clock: 9 h 19 min 45 s
